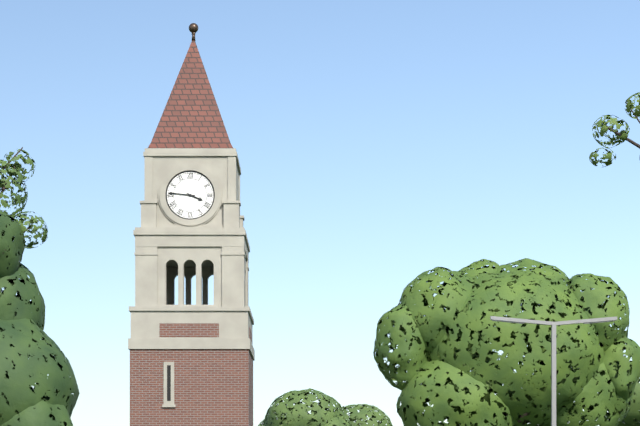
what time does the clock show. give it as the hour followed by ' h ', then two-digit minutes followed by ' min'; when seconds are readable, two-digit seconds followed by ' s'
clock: 3 h 46 min
